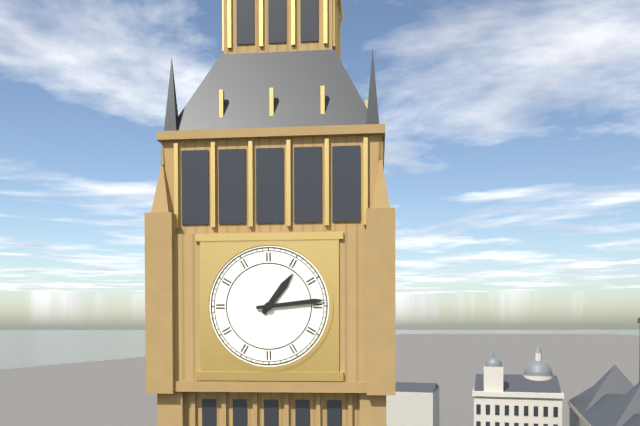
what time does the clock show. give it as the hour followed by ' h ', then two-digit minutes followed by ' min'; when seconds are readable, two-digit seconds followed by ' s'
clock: 1 h 14 min
